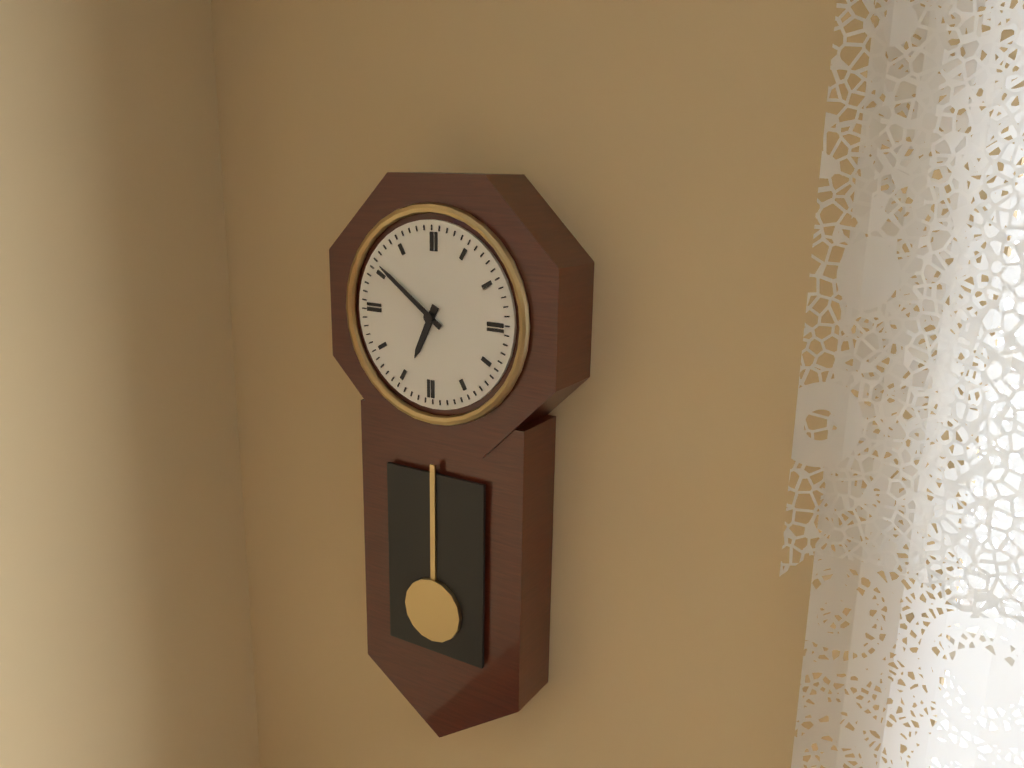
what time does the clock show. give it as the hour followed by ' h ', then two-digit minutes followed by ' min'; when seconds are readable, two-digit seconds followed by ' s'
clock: 6 h 51 min
